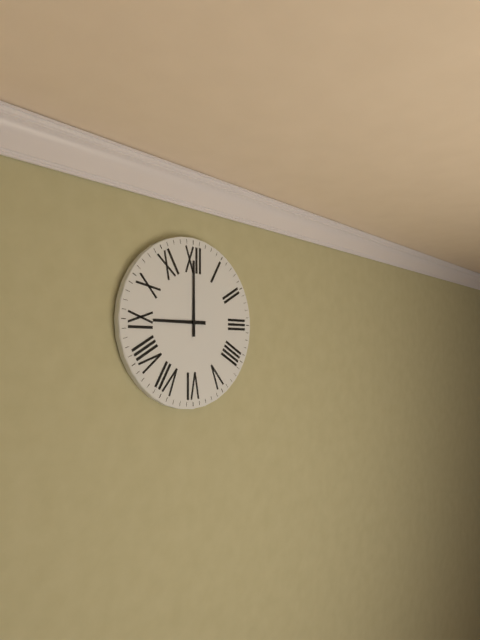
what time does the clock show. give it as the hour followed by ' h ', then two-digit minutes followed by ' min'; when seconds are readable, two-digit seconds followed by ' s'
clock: 9 h 00 min
